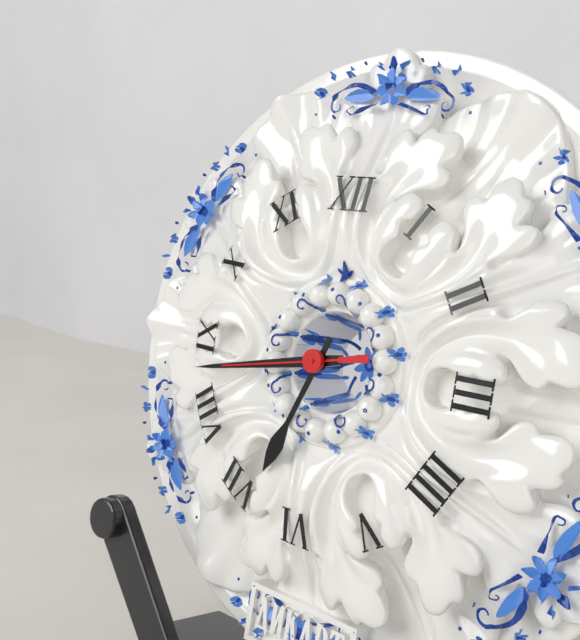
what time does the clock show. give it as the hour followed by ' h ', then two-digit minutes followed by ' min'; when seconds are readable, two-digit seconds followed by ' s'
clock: 6 h 43 min 43 s
